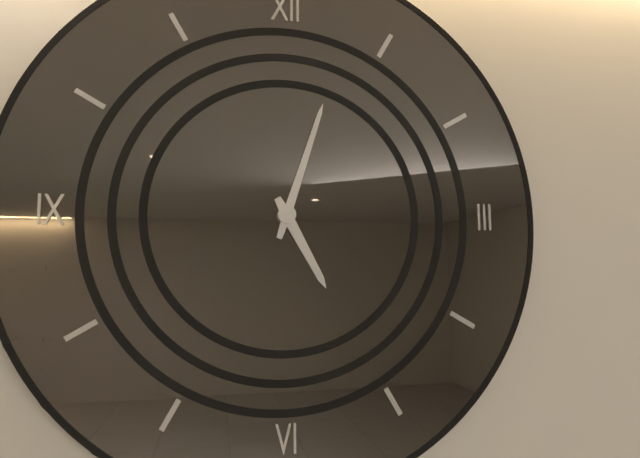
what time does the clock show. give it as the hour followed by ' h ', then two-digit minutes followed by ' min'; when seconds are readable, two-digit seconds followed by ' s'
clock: 5 h 03 min
